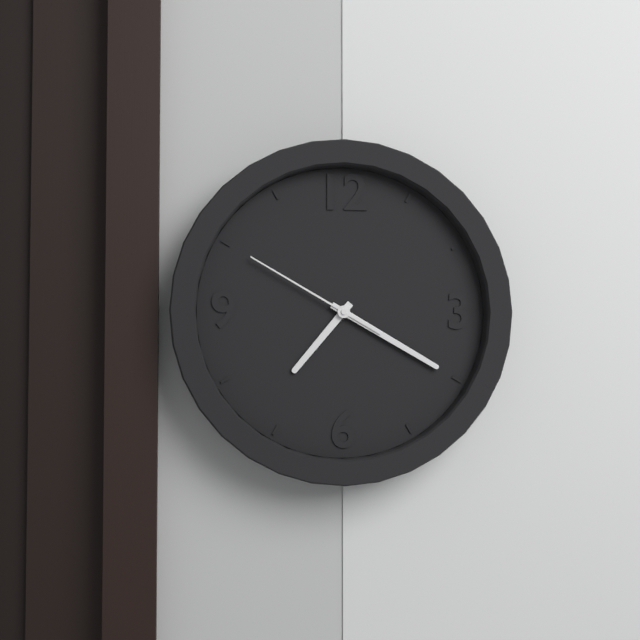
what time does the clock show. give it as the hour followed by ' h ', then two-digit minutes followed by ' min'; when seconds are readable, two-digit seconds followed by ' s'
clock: 7 h 20 min 50 s
